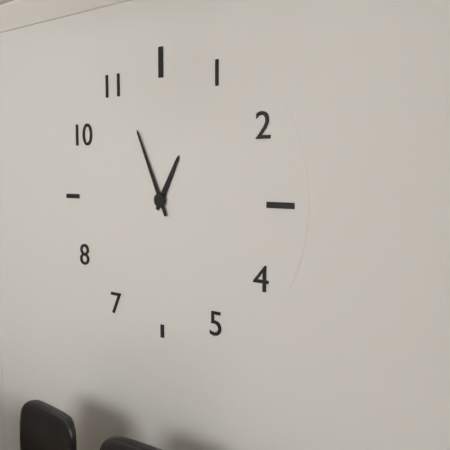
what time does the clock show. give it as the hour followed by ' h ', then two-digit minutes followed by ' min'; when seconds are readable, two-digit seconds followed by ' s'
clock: 12 h 56 min
